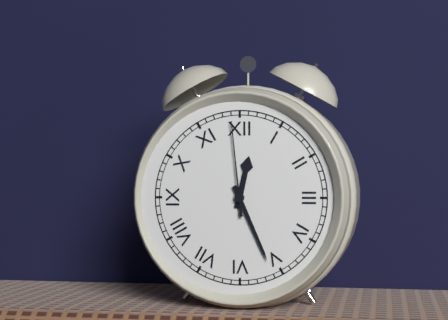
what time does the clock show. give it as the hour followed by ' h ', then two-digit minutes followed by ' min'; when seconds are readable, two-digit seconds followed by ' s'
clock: 12 h 26 min 59 s
